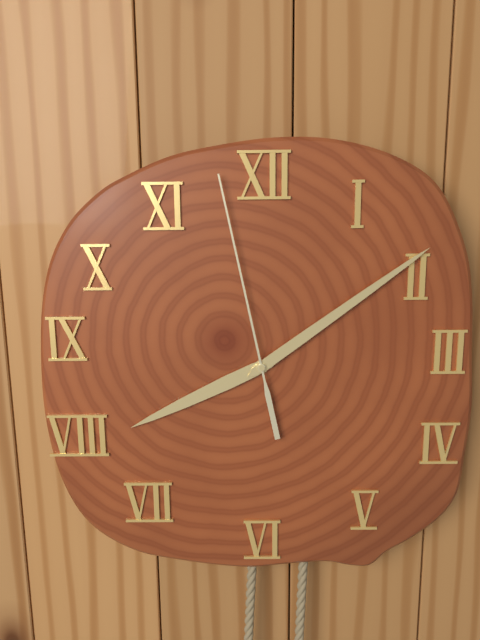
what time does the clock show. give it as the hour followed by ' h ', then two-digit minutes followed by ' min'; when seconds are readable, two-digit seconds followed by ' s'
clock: 8 h 09 min 58 s
